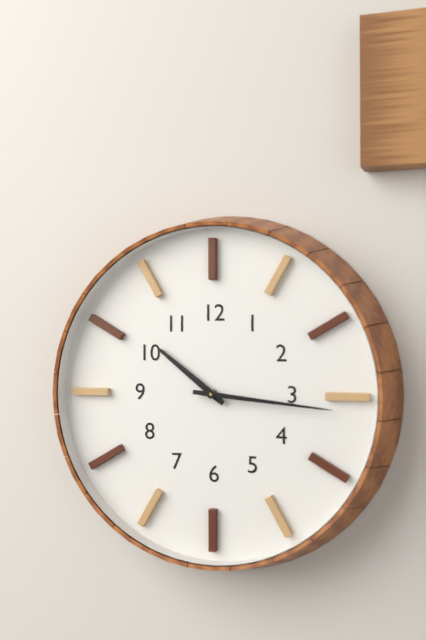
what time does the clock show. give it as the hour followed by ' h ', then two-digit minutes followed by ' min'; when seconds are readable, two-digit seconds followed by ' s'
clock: 10 h 16 min
